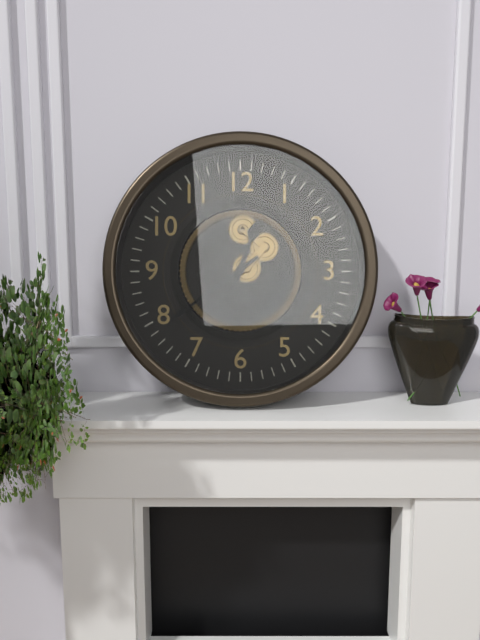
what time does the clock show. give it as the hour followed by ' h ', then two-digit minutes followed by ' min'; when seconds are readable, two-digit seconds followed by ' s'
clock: 12 h 39 min
